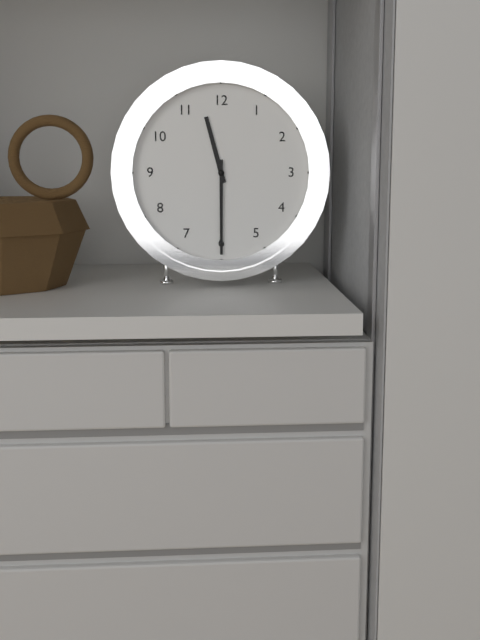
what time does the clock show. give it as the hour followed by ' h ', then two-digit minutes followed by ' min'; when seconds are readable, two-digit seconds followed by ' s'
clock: 11 h 30 min
